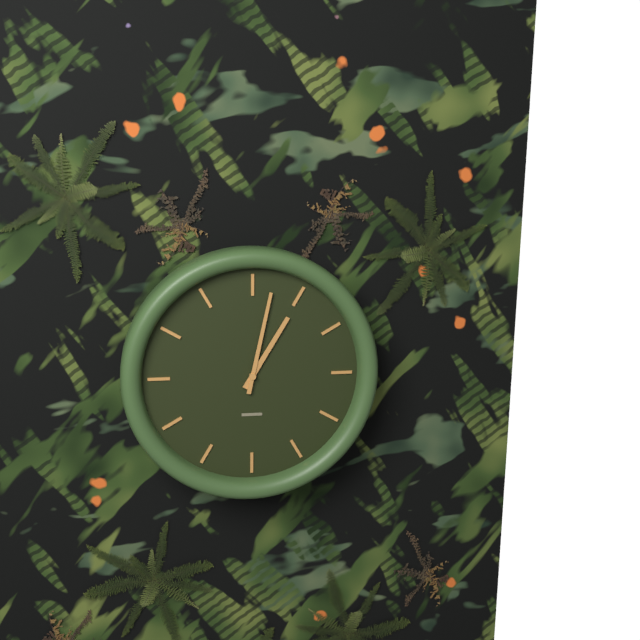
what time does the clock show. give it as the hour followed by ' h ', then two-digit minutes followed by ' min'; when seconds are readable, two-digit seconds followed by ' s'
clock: 1 h 02 min
